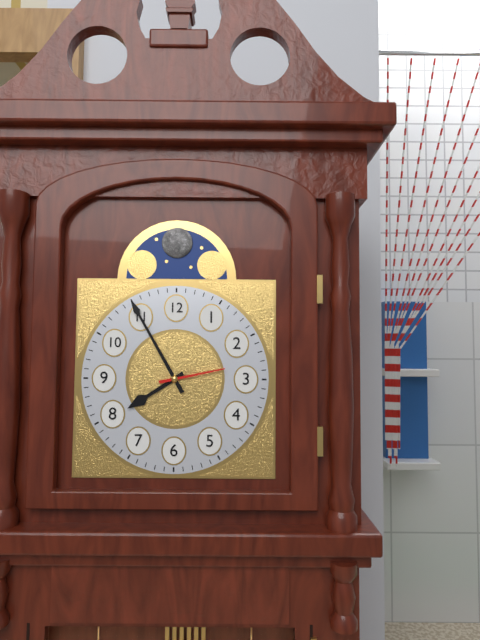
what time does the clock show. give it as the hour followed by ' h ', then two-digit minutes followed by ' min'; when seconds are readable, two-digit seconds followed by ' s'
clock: 7 h 55 min 13 s
